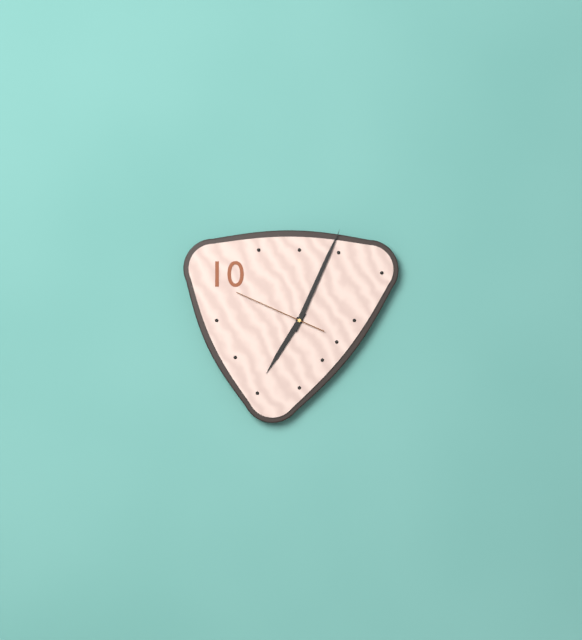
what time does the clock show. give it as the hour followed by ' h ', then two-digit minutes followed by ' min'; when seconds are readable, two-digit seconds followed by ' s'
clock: 7 h 04 min 49 s
